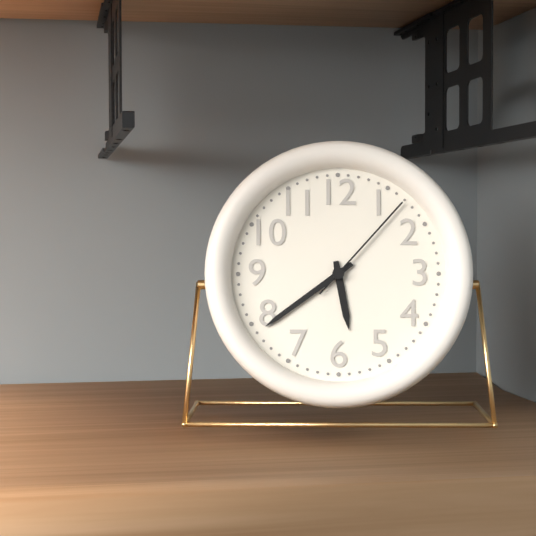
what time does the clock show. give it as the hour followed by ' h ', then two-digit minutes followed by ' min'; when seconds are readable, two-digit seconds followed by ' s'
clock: 5 h 39 min 07 s
